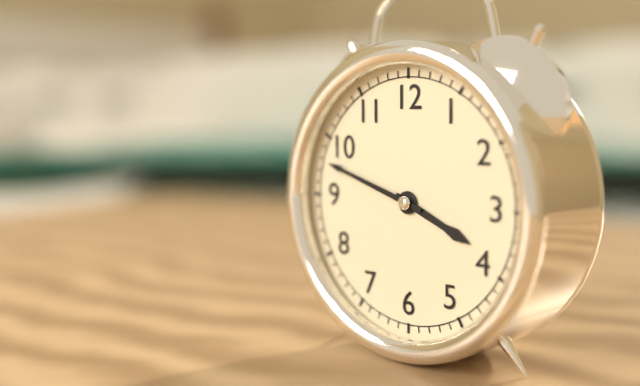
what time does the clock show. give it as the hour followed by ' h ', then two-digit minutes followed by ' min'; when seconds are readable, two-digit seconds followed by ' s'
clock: 3 h 48 min
